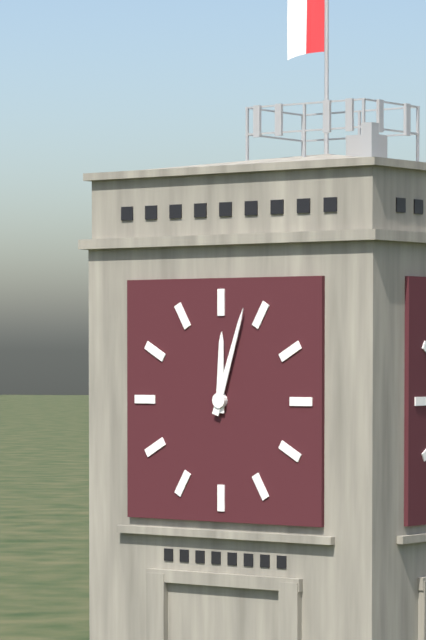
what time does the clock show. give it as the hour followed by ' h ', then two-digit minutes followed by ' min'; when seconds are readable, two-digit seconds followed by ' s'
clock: 12 h 03 min
